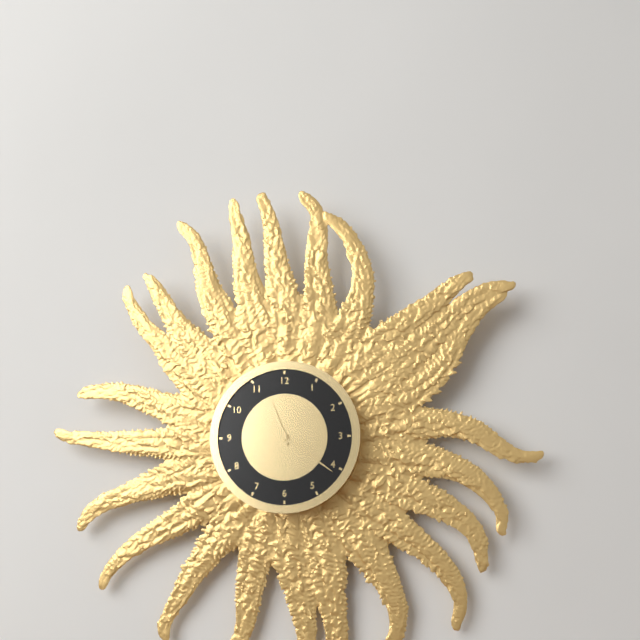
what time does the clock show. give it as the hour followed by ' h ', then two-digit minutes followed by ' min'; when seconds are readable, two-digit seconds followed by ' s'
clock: 11 h 21 min
